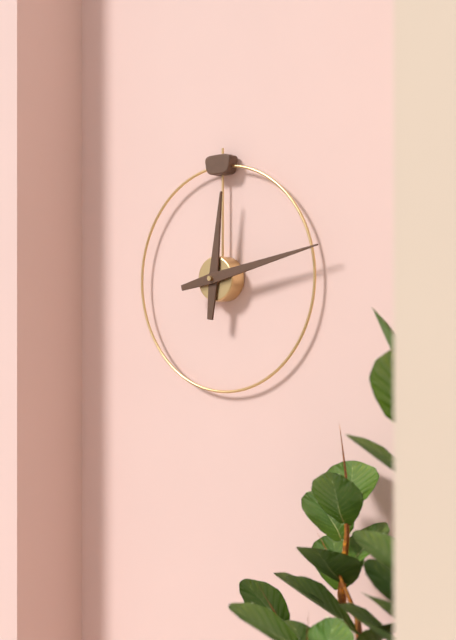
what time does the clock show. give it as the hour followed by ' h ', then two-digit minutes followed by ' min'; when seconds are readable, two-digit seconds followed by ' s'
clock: 12 h 13 min
